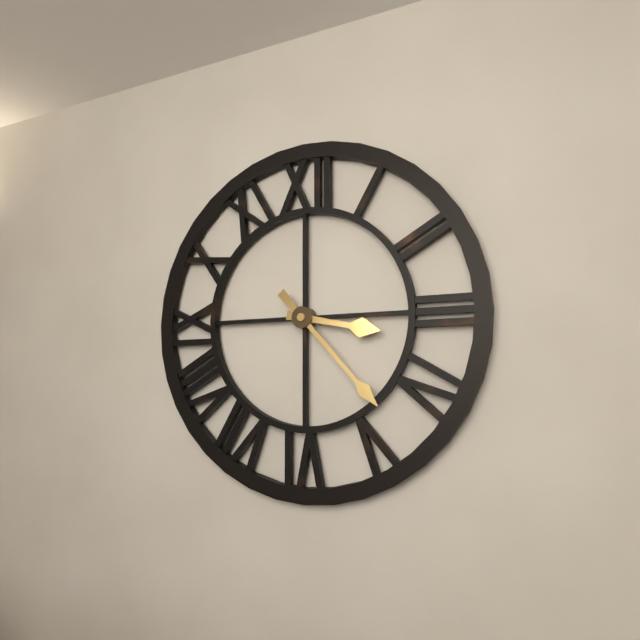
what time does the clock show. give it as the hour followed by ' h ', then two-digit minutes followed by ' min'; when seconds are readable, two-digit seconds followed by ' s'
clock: 3 h 23 min
